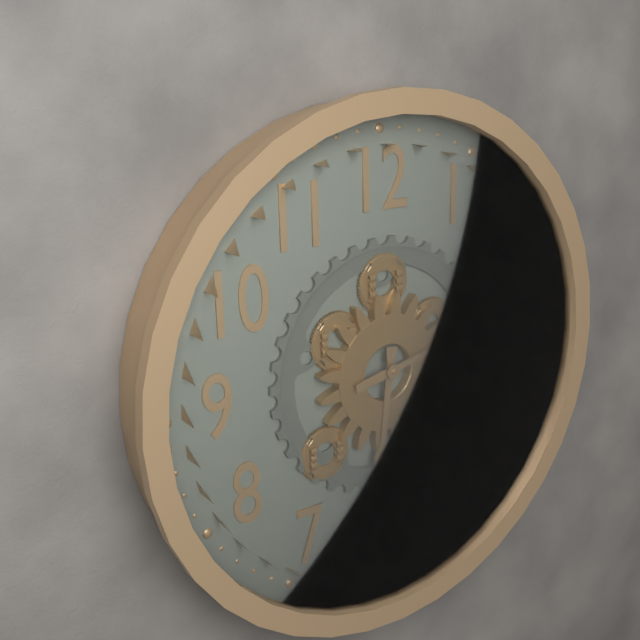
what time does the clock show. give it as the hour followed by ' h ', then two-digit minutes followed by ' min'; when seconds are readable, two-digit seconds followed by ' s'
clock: 6 h 13 min
